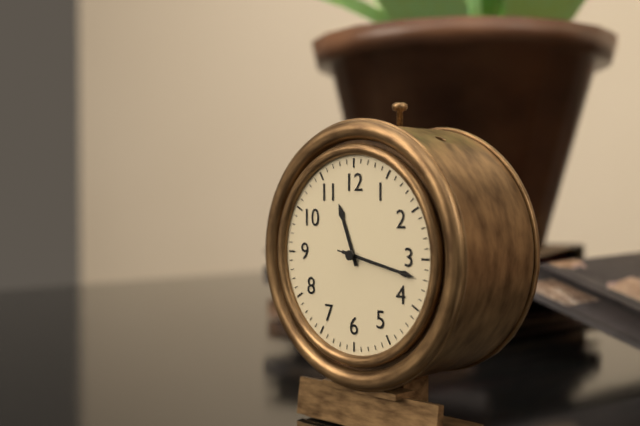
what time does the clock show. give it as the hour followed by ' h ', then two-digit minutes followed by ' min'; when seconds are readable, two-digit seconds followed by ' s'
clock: 11 h 17 min 17 s
